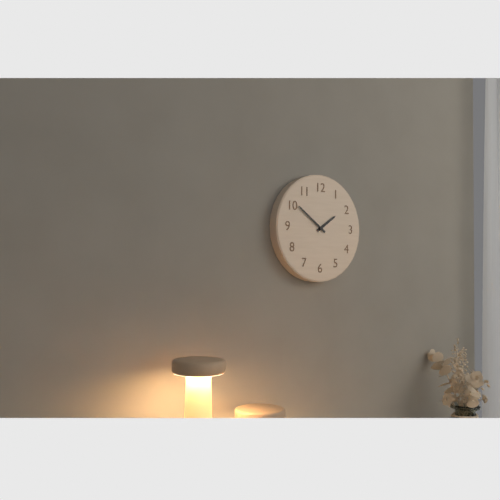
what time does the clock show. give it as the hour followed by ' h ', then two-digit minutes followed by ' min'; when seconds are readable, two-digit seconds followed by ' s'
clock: 1 h 51 min
